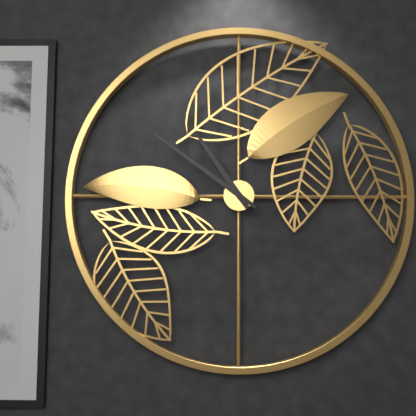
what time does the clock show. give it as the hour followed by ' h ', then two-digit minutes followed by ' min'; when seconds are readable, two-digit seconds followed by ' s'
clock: 10 h 51 min
